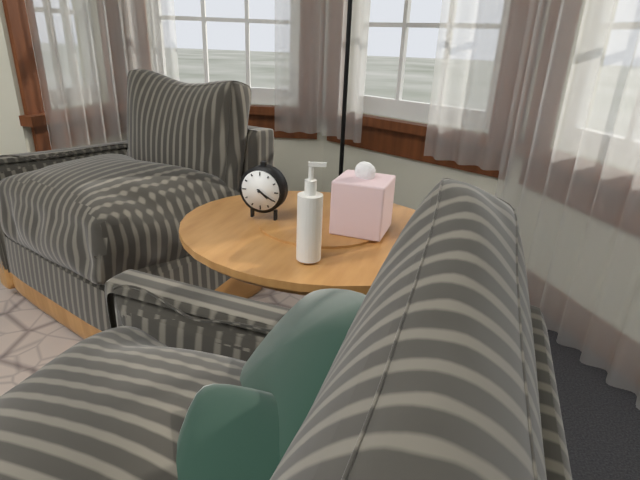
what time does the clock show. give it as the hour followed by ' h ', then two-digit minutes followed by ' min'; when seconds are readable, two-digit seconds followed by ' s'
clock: 4 h 20 min
